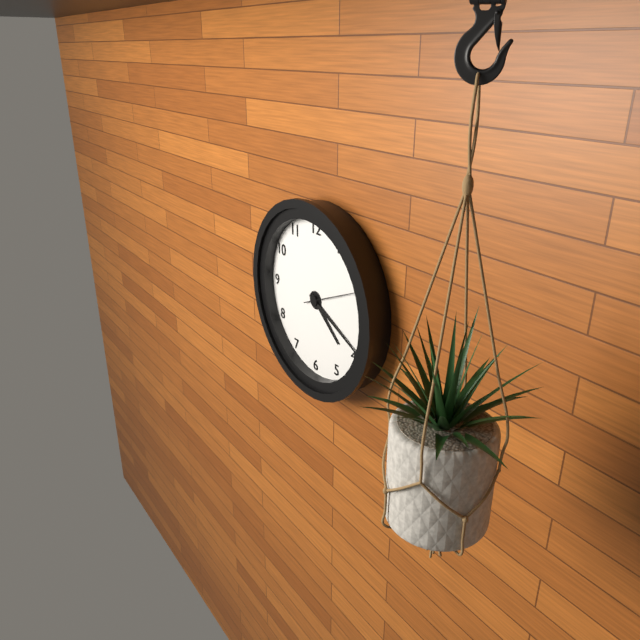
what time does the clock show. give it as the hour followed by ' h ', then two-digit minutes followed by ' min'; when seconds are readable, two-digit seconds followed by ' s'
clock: 4 h 19 min 11 s
